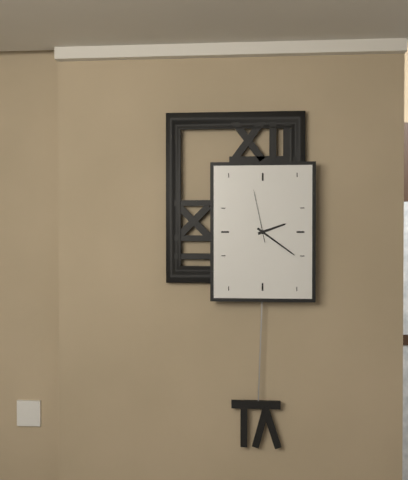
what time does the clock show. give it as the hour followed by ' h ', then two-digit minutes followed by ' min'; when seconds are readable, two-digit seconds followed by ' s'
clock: 2 h 21 min 58 s
